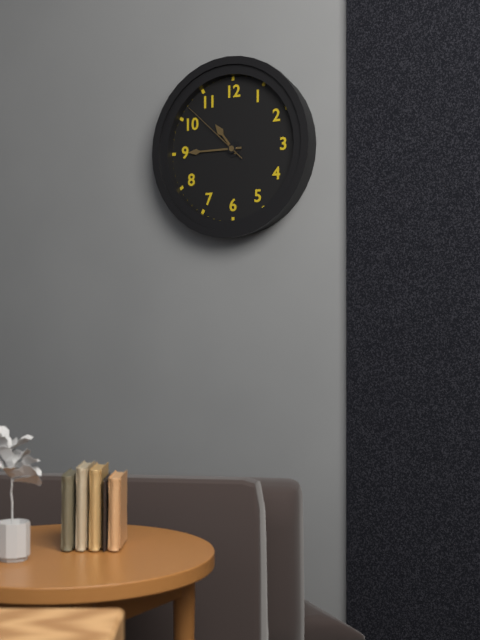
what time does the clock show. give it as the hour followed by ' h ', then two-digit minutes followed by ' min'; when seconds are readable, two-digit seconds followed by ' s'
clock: 10 h 45 min 52 s
